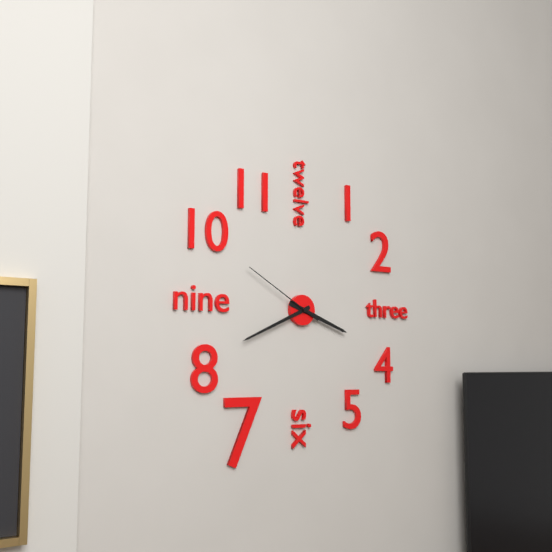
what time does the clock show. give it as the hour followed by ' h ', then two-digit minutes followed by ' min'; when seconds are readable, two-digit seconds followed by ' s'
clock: 3 h 41 min 50 s
